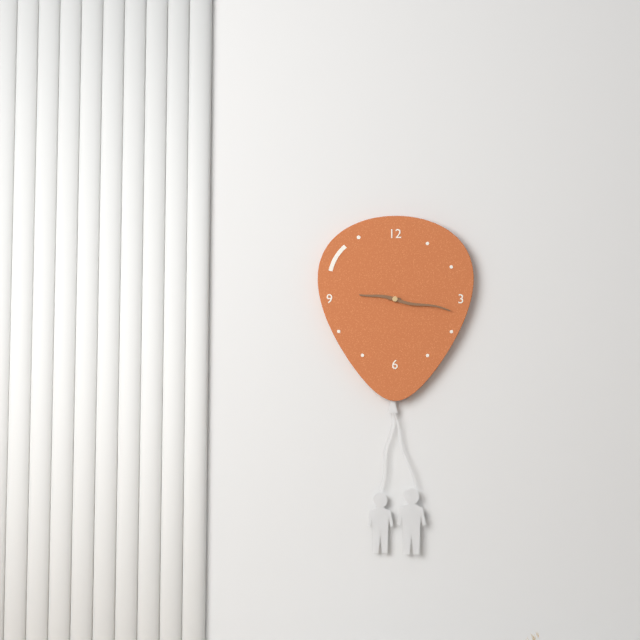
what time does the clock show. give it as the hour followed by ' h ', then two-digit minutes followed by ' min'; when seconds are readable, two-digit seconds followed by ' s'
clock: 9 h 17 min
